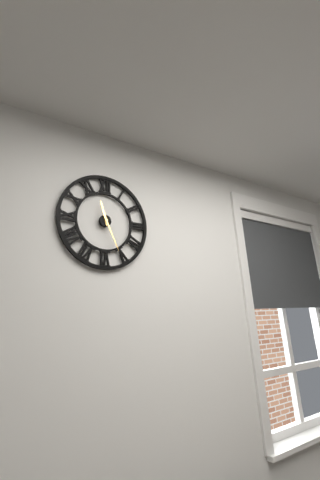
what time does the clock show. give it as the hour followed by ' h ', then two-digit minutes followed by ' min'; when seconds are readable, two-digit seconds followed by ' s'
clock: 11 h 26 min
